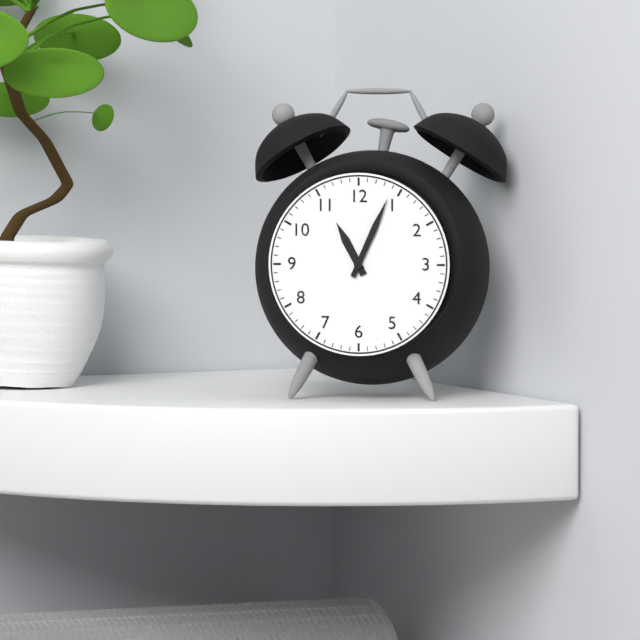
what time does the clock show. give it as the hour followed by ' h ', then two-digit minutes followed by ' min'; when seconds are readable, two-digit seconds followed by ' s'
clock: 11 h 04 min
